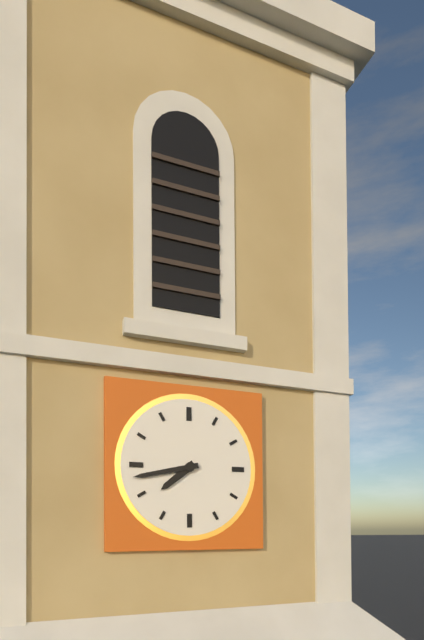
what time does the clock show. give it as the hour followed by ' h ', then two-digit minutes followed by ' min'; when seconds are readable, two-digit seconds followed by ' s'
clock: 7 h 43 min
